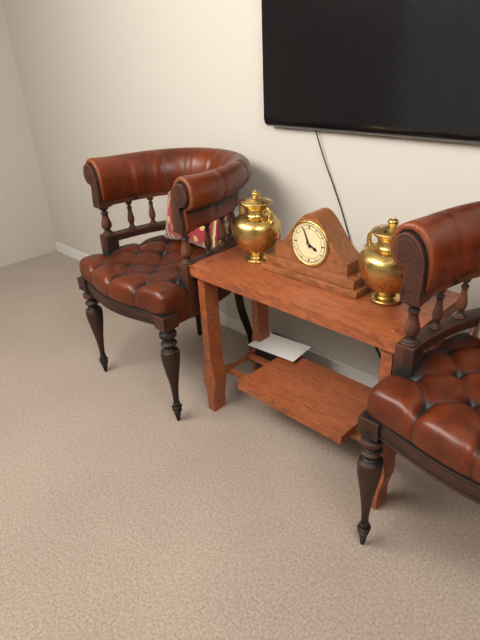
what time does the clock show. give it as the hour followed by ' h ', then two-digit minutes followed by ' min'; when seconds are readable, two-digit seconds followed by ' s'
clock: 3 h 56 min
